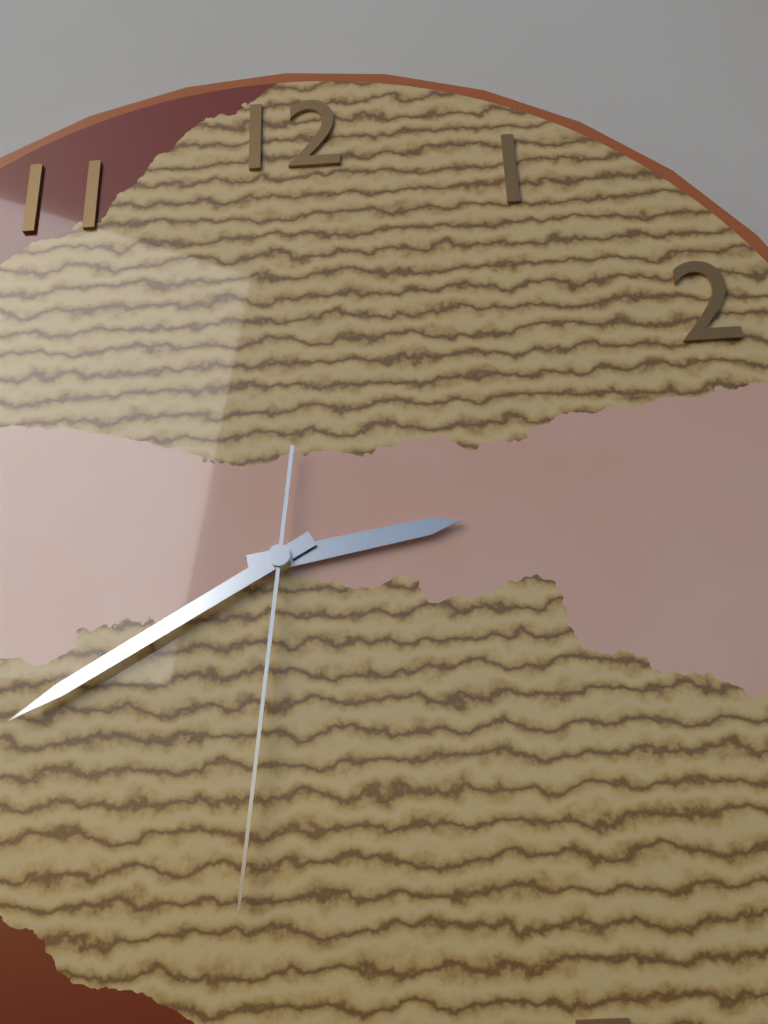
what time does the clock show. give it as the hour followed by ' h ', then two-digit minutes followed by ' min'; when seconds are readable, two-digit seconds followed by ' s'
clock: 2 h 40 min 31 s
